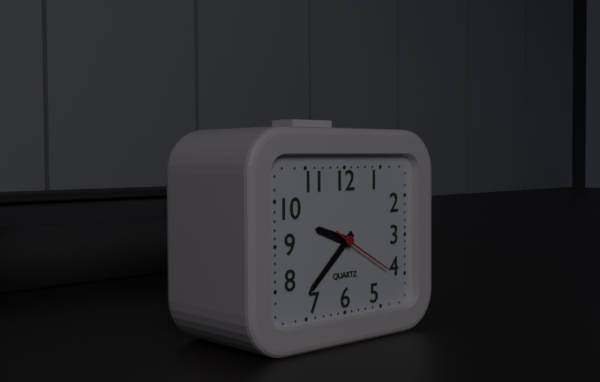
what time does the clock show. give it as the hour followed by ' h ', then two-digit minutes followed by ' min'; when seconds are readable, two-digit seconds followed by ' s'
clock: 9 h 38 min 20 s
